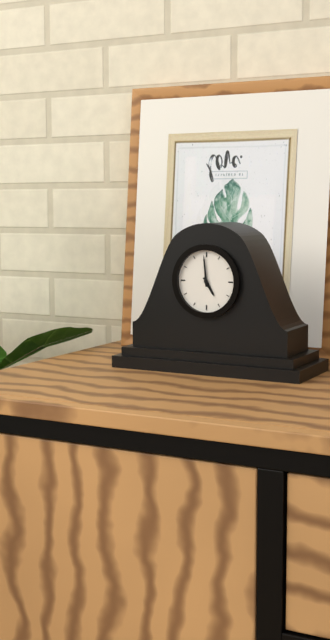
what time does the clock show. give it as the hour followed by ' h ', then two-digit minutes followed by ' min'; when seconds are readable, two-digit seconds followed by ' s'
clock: 4 h 59 min
